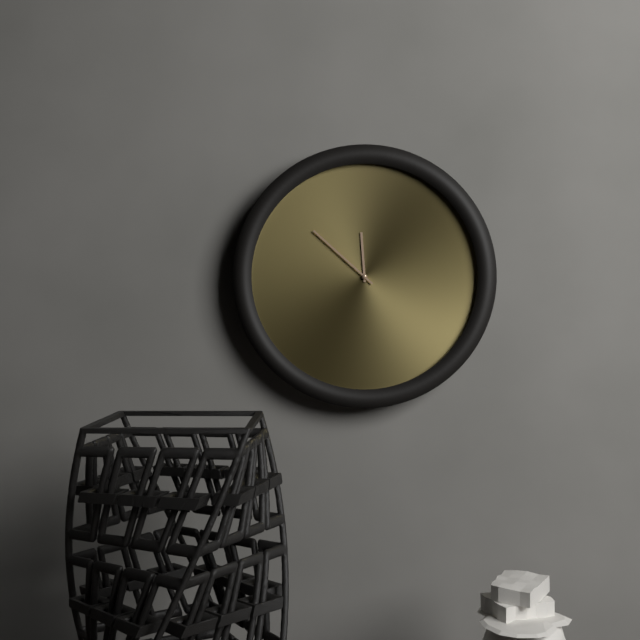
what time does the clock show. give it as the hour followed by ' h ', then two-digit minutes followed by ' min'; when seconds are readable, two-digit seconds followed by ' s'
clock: 11 h 52 min
